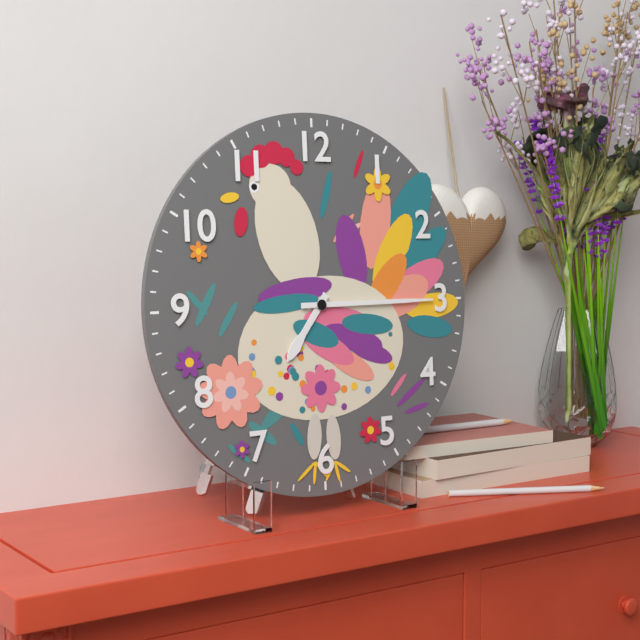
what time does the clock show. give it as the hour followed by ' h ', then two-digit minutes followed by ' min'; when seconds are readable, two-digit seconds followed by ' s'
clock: 7 h 15 min
